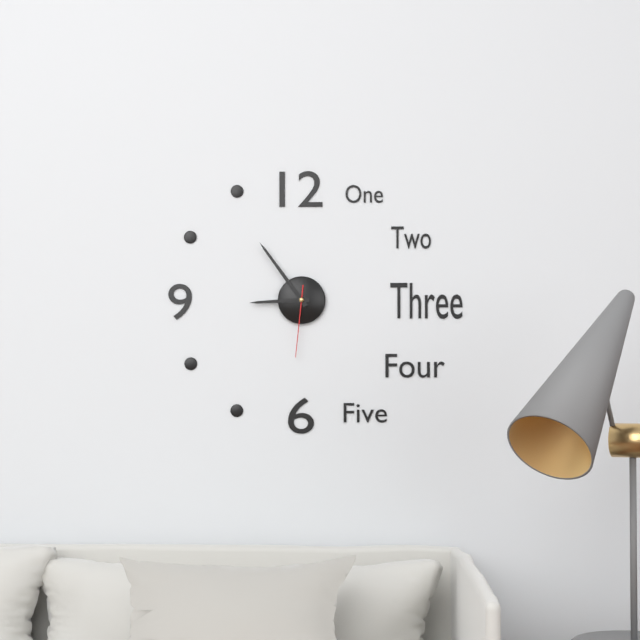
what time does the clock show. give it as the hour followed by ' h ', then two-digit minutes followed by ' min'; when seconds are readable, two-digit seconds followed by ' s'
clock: 8 h 54 min 31 s
